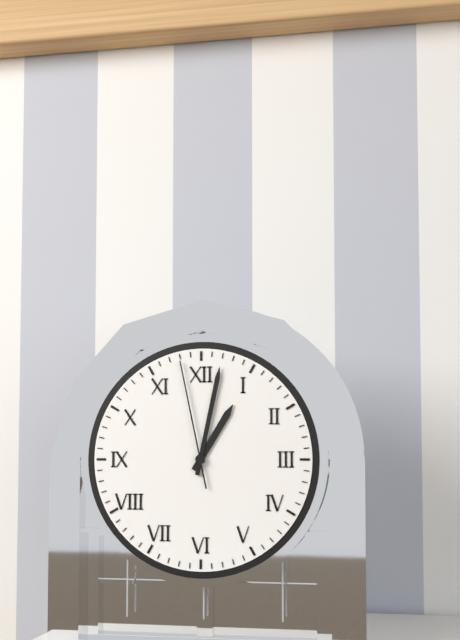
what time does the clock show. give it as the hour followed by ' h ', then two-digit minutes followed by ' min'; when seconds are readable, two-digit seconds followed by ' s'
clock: 1 h 02 min 58 s
